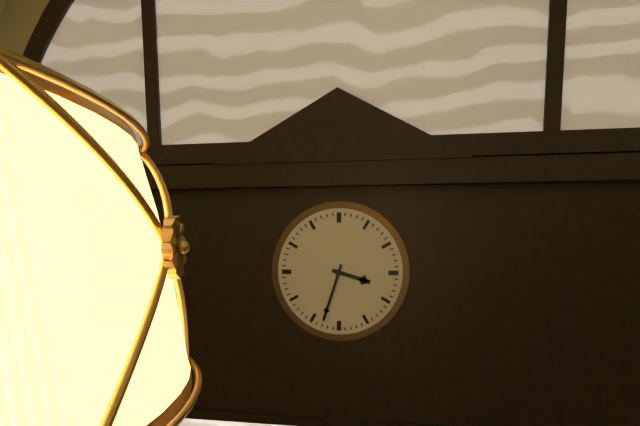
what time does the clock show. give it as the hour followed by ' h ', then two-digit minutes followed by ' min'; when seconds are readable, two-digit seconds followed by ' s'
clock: 3 h 33 min
